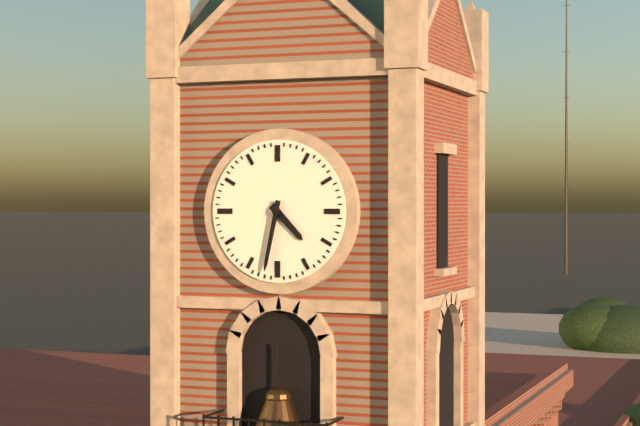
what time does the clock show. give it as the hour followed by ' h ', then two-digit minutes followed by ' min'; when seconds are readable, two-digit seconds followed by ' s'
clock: 4 h 32 min
